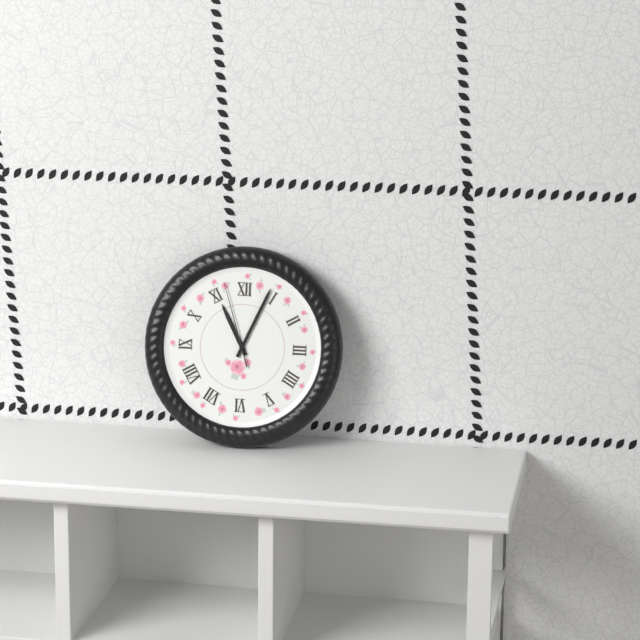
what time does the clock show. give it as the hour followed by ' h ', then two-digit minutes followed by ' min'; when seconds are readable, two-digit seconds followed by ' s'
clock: 11 h 04 min 57 s
